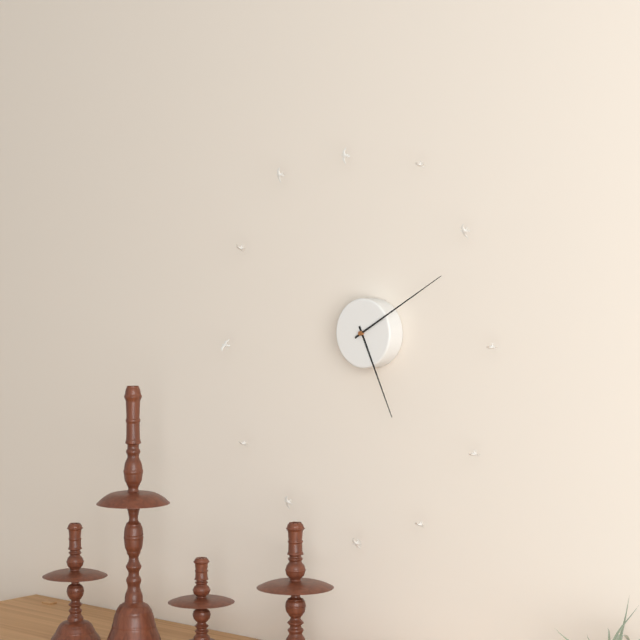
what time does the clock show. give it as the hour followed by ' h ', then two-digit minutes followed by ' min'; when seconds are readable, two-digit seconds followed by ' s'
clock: 5 h 10 min
